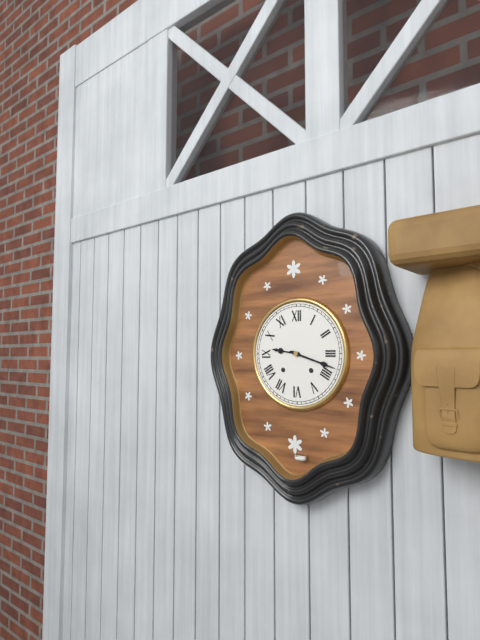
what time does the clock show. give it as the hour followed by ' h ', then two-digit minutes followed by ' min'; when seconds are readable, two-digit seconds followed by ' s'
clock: 9 h 18 min
